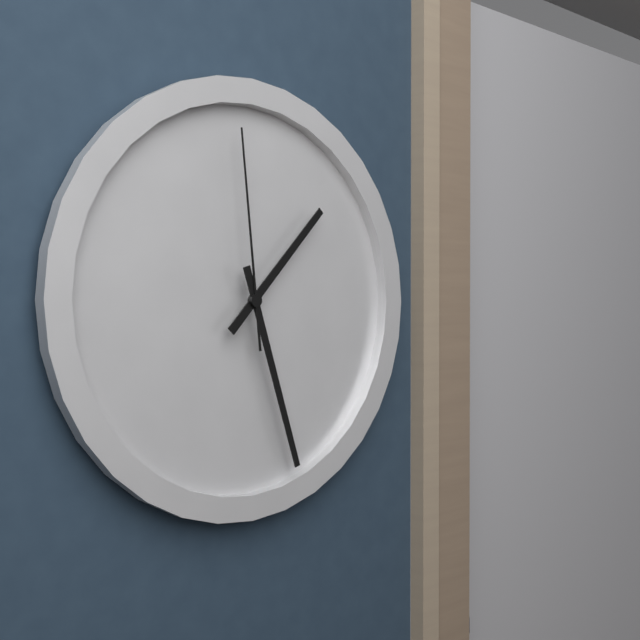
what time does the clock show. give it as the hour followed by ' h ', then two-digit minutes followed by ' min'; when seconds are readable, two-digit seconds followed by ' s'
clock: 1 h 27 min 59 s
